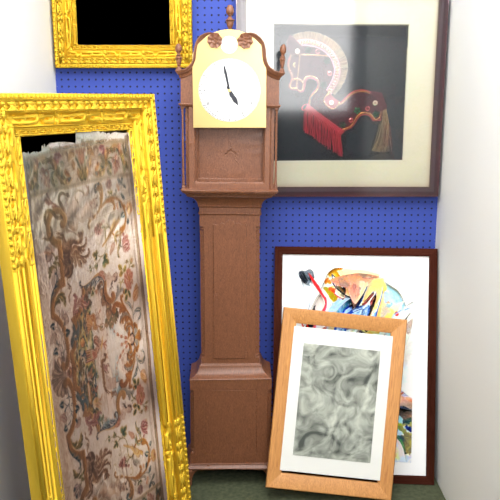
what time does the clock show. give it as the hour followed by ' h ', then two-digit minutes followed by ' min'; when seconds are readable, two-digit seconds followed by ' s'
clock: 4 h 58 min
